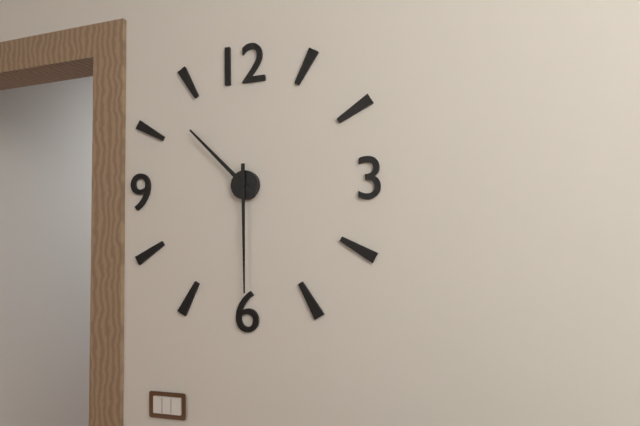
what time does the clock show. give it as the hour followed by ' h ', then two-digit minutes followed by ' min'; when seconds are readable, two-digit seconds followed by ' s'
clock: 10 h 30 min
